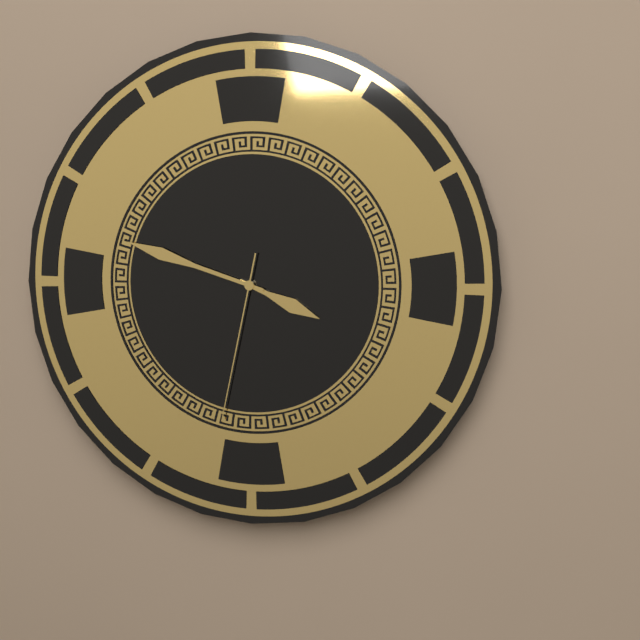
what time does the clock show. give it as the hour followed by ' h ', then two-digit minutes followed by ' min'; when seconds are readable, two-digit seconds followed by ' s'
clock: 3 h 48 min 32 s
